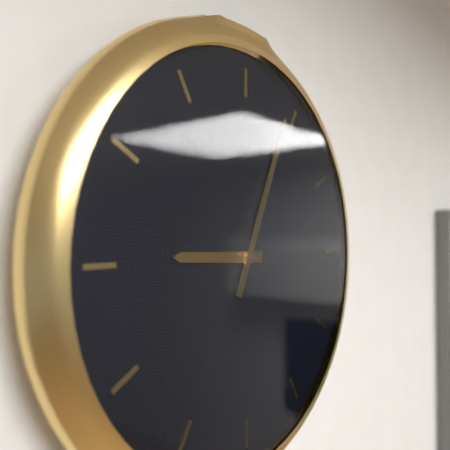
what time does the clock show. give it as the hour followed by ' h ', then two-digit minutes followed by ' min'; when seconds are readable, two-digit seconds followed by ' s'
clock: 9 h 04 min
